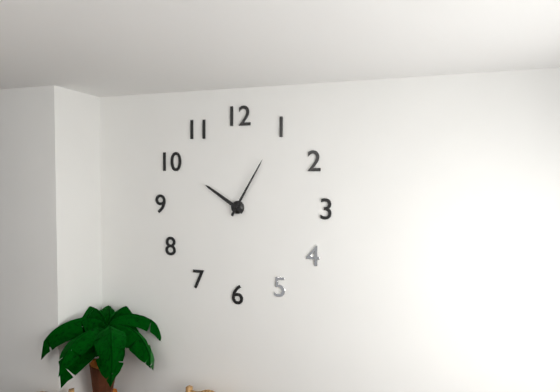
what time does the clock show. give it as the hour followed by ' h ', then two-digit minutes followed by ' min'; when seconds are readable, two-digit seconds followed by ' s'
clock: 10 h 05 min
